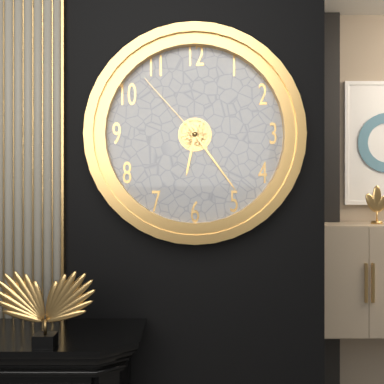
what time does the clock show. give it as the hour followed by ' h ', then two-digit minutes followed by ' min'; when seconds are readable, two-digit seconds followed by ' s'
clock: 6 h 24 min 53 s
